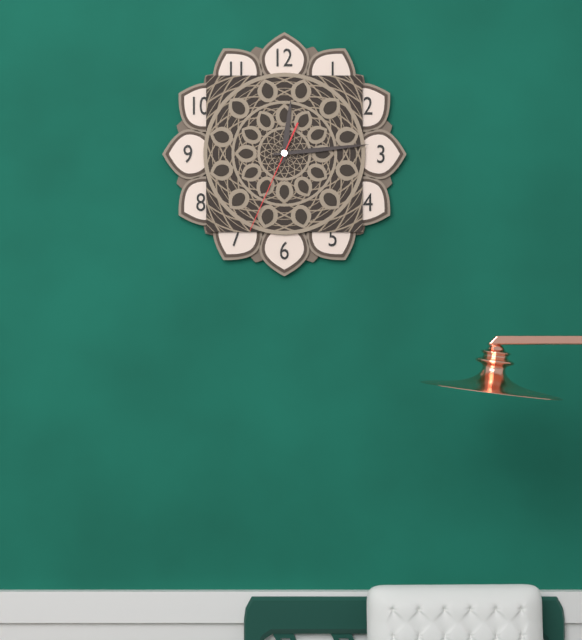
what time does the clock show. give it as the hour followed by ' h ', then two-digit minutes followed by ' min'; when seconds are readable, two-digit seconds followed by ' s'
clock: 12 h 14 min 34 s
